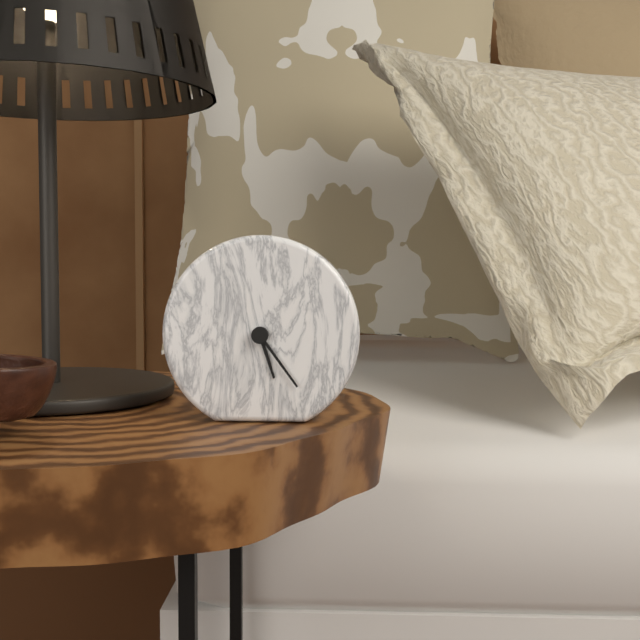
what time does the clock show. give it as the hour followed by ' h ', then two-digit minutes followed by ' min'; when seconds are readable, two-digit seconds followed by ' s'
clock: 5 h 24 min
